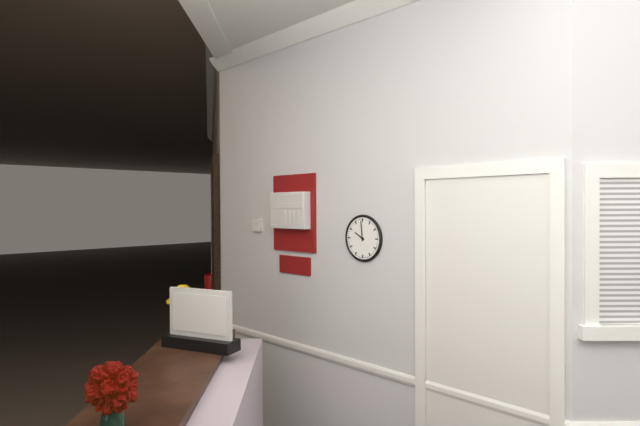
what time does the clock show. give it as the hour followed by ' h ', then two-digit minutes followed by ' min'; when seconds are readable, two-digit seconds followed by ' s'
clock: 9 h 59 min
